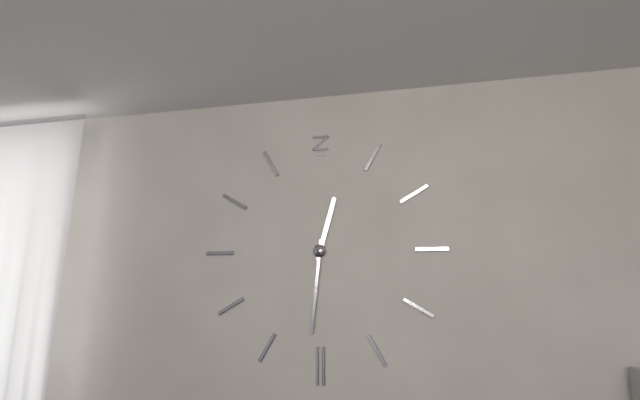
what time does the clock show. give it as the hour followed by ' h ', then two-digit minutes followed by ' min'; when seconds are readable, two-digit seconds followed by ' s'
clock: 12 h 31 min
